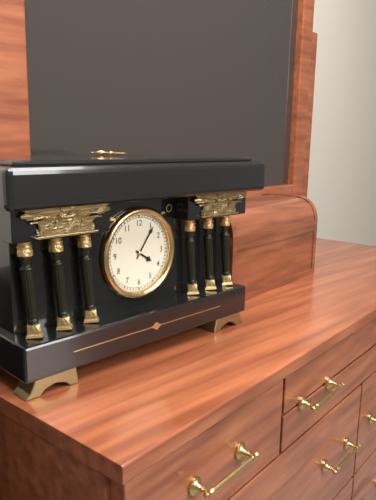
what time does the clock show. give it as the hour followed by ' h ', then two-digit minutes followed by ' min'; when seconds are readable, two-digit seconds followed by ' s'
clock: 4 h 06 min
